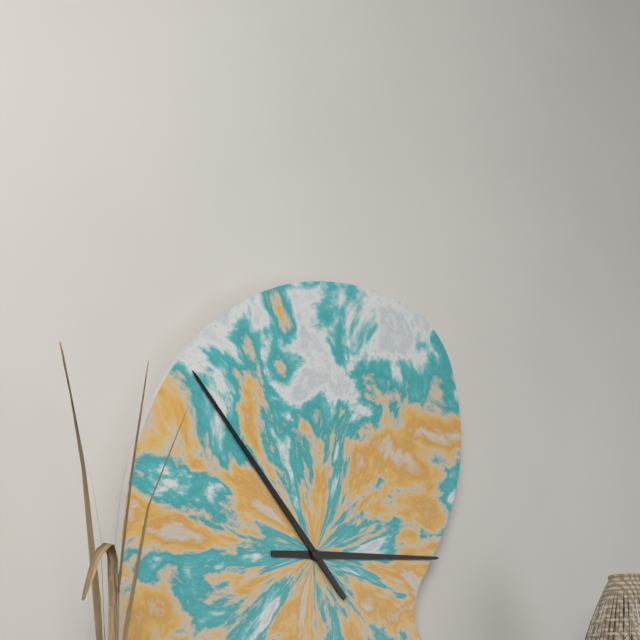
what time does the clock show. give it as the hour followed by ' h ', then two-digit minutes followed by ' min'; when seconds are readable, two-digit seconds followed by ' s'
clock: 2 h 53 min
